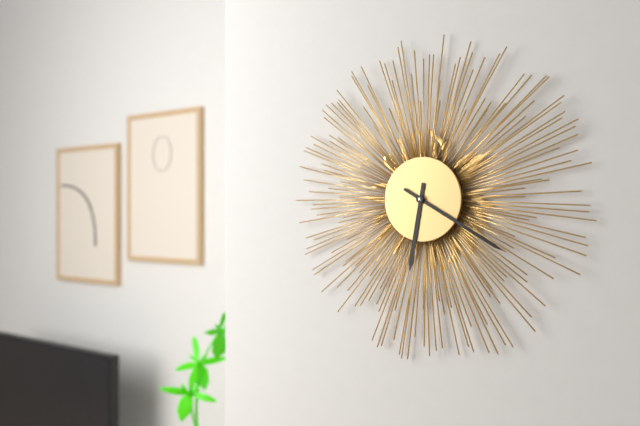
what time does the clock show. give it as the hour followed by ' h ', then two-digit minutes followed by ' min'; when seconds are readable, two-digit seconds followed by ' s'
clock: 6 h 20 min
